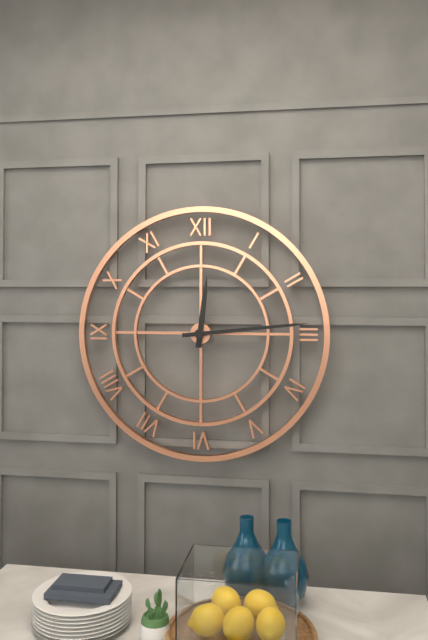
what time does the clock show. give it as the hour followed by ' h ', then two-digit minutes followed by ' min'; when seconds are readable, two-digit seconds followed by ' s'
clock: 12 h 14 min
